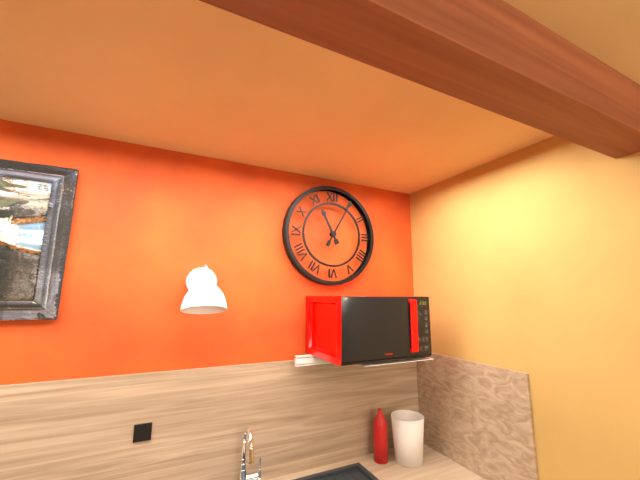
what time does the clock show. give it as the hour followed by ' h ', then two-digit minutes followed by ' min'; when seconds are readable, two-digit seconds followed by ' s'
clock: 11 h 05 min
